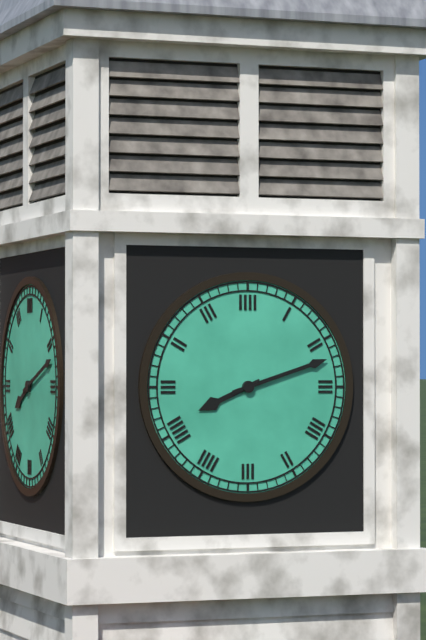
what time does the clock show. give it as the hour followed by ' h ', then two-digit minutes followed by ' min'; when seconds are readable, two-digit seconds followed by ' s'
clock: 8 h 12 min
